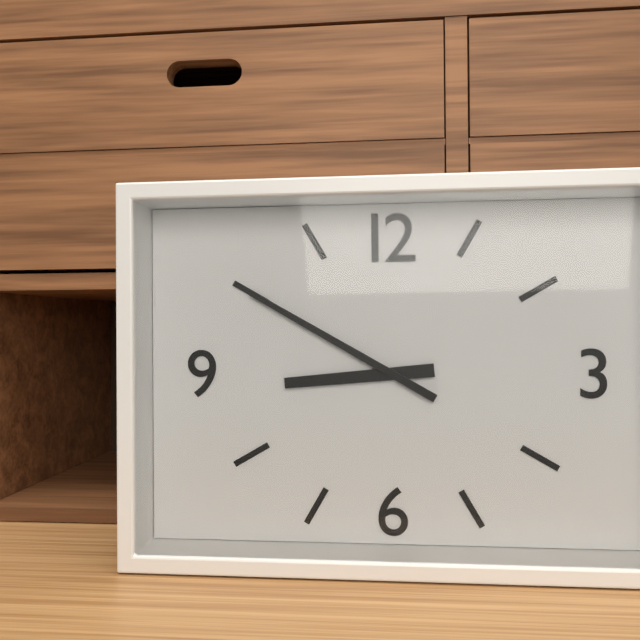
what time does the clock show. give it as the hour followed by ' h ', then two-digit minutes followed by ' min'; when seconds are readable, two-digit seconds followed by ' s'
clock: 8 h 50 min
